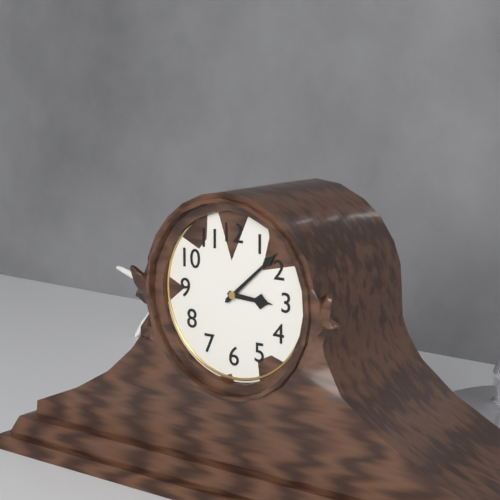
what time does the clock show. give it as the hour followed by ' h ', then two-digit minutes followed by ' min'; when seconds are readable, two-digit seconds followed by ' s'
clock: 3 h 08 min
